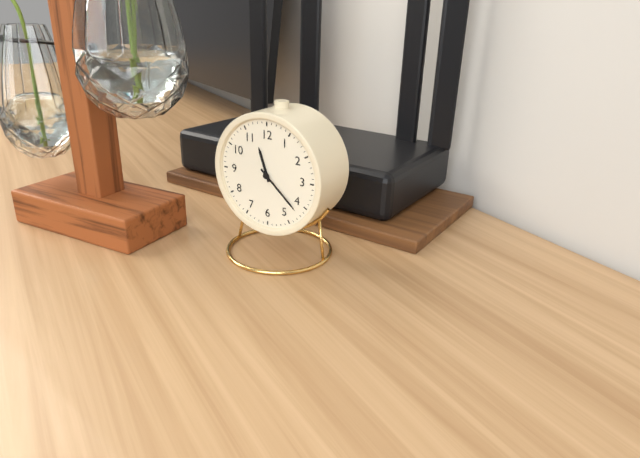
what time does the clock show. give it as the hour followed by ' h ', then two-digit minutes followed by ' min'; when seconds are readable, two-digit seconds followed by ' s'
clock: 11 h 22 min
